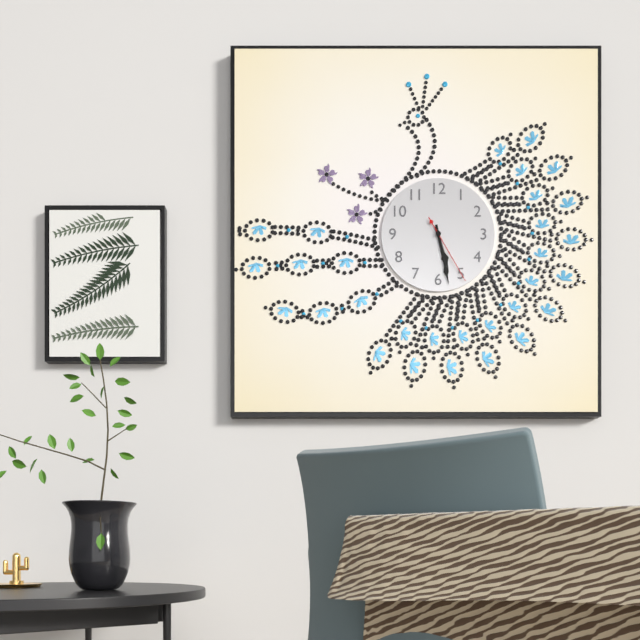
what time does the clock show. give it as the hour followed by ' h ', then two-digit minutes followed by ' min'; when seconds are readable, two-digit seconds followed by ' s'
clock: 5 h 28 min 25 s
